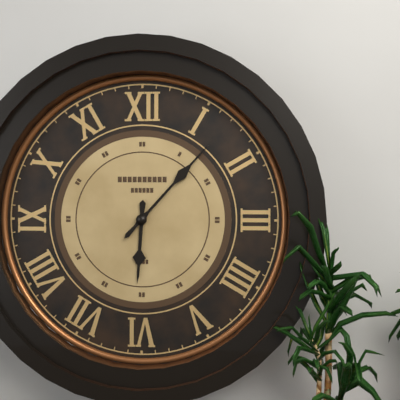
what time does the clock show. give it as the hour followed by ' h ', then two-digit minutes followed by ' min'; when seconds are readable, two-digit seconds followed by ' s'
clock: 6 h 07 min
